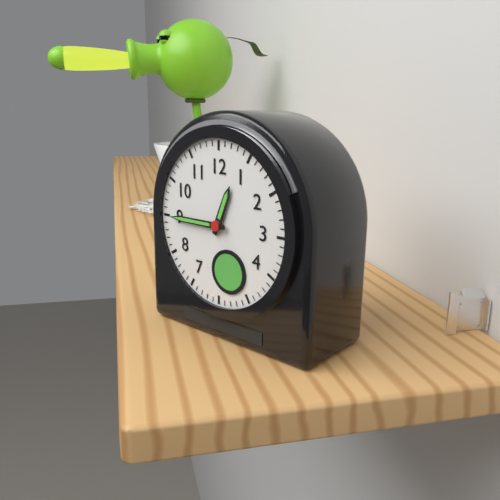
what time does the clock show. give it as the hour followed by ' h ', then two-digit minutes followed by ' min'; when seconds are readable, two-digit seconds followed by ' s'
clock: 12 h 45 min
